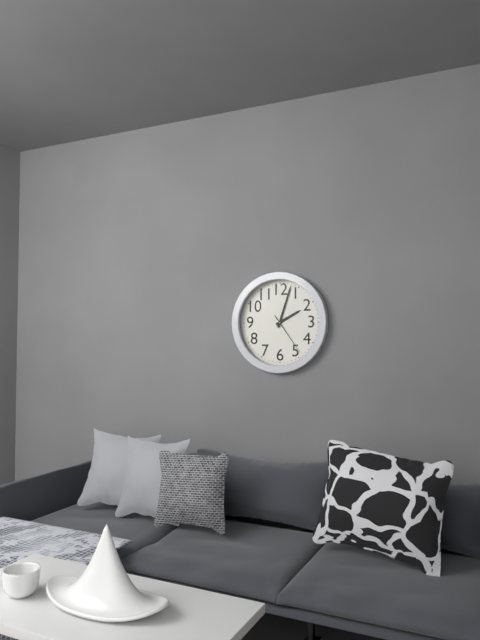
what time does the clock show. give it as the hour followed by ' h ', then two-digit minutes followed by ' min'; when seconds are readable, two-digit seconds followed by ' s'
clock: 2 h 03 min
